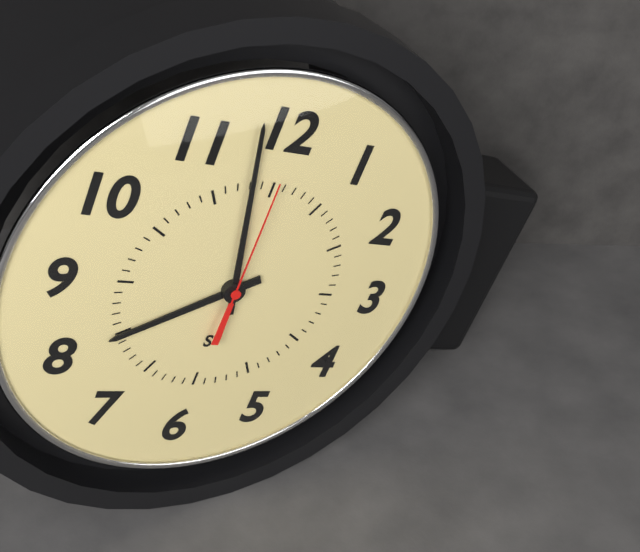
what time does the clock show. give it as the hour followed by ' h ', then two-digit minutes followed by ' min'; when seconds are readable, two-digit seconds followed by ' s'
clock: 7 h 58 min 00 s
